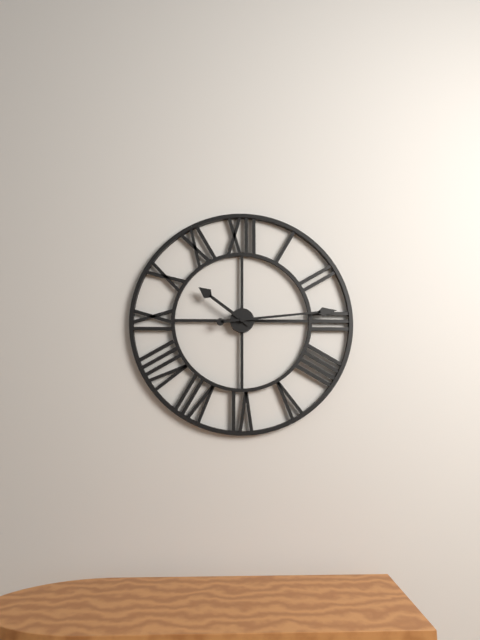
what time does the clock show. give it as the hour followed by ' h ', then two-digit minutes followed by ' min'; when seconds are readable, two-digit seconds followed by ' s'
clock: 10 h 14 min
